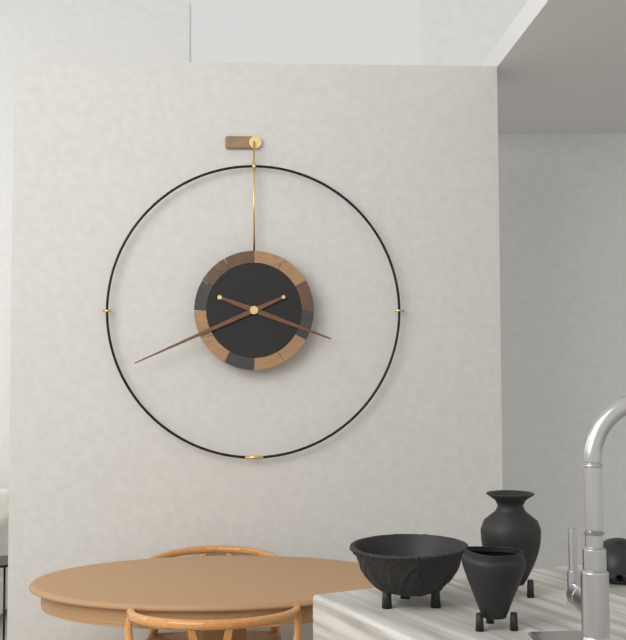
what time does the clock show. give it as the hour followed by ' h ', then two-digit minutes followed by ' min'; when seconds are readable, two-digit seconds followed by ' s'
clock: 3 h 41 min
